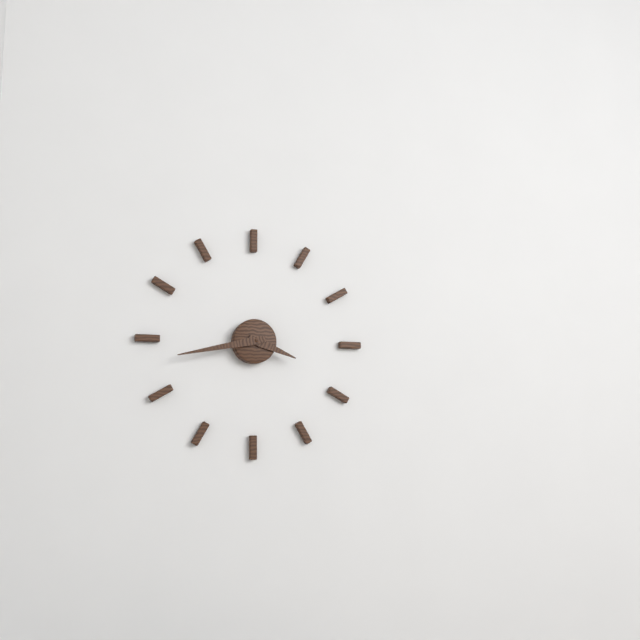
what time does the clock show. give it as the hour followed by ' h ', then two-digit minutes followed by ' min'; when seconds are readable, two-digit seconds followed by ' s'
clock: 3 h 43 min
